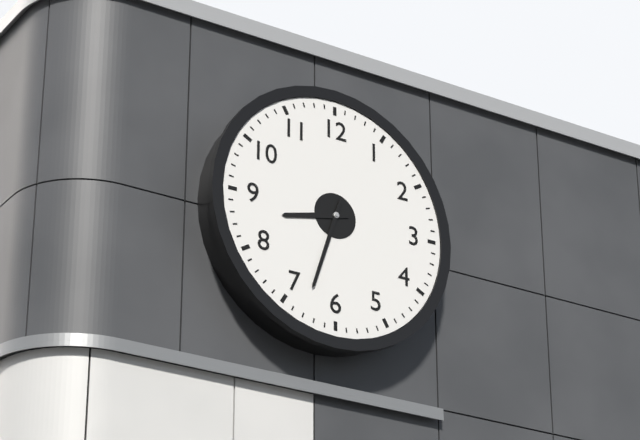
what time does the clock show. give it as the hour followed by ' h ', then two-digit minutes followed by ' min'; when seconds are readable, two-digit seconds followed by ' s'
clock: 8 h 33 min
